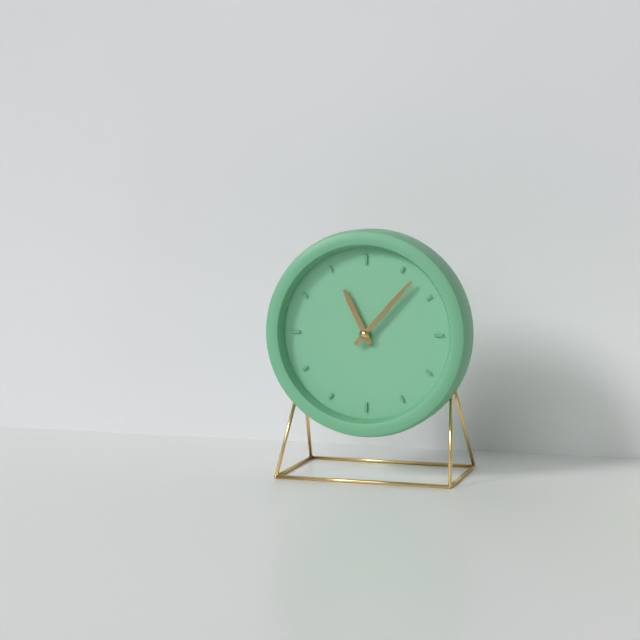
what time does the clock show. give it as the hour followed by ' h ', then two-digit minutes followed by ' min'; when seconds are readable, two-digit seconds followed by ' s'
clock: 11 h 07 min
